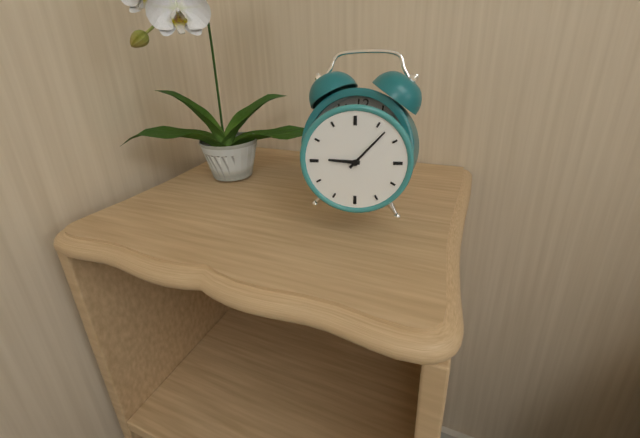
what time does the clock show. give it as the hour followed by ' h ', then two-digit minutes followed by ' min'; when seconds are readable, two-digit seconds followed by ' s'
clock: 9 h 07 min
